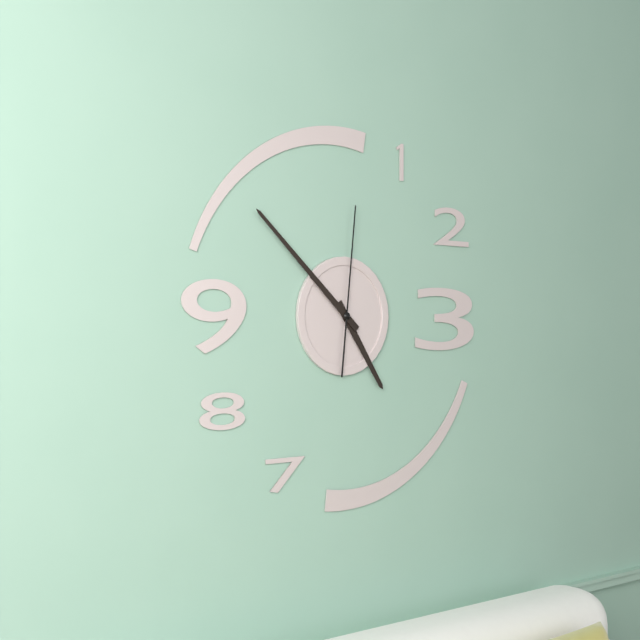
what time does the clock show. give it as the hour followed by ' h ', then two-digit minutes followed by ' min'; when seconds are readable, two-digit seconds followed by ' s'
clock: 4 h 52 min 01 s
